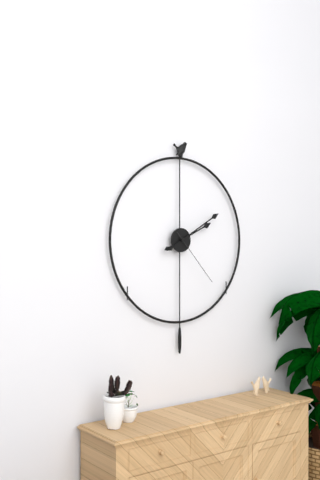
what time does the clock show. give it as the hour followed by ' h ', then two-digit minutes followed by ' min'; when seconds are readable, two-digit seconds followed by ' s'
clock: 2 h 10 min 23 s
